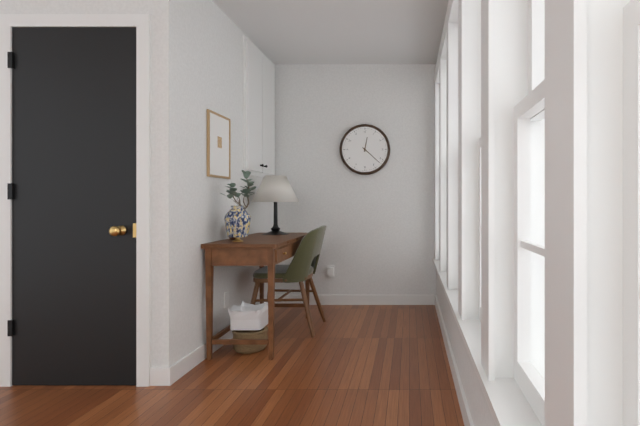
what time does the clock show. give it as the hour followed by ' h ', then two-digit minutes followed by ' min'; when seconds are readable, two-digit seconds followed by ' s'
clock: 12 h 22 min
